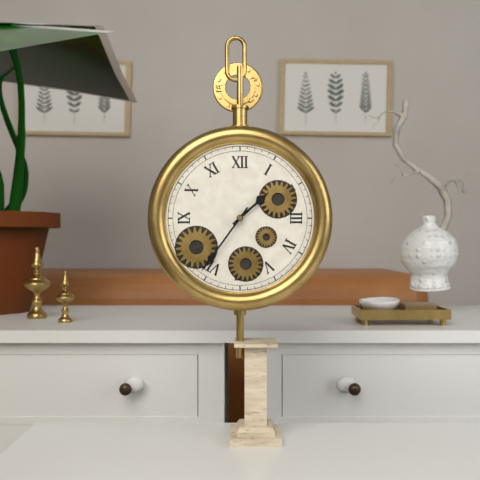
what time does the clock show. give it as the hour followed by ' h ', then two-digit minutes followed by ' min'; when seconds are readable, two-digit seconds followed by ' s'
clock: 1 h 36 min
